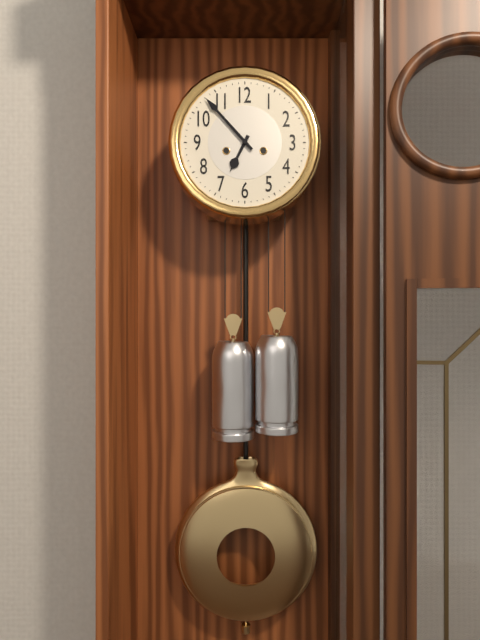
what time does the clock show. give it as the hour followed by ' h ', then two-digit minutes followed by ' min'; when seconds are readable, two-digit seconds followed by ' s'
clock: 6 h 53 min
